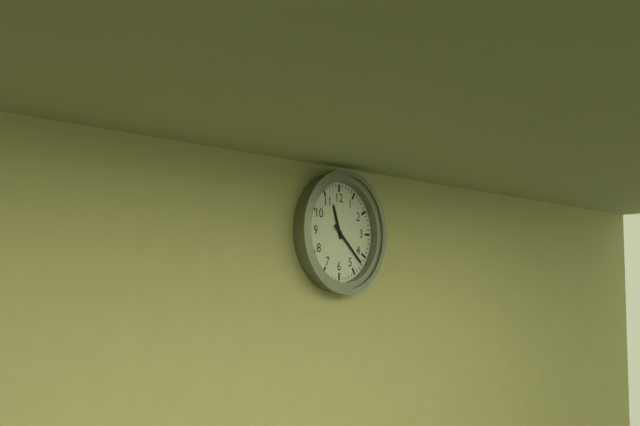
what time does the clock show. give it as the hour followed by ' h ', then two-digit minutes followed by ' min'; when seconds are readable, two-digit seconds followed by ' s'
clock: 11 h 22 min
